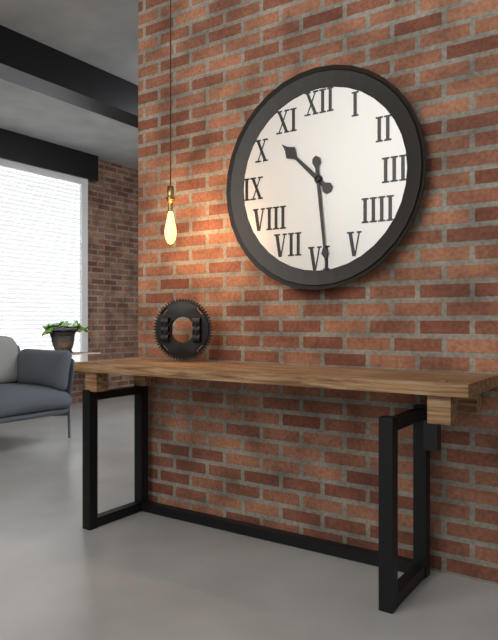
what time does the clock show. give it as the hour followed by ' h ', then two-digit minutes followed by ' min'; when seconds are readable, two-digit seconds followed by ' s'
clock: 10 h 29 min
